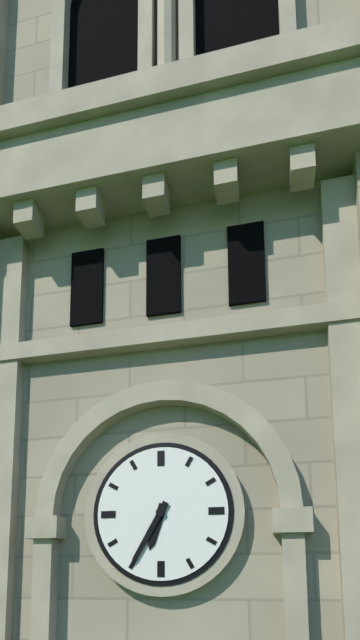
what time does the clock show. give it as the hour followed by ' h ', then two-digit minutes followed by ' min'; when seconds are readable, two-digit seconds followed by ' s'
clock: 6 h 35 min
